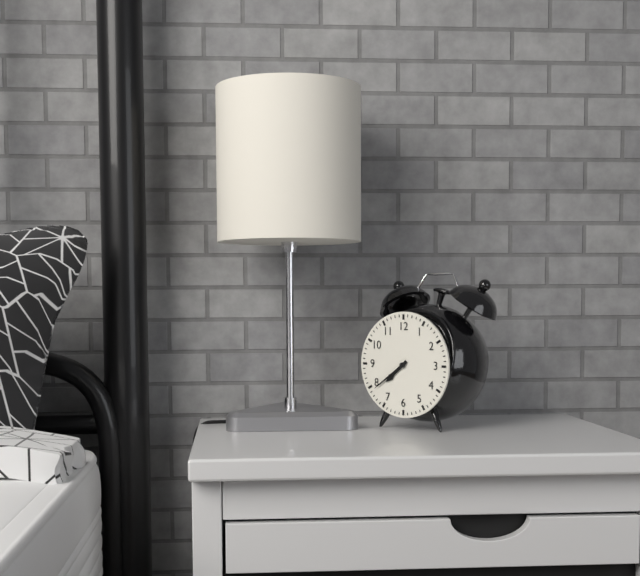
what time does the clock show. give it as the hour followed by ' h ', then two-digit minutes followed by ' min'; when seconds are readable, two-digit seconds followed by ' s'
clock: 7 h 39 min
